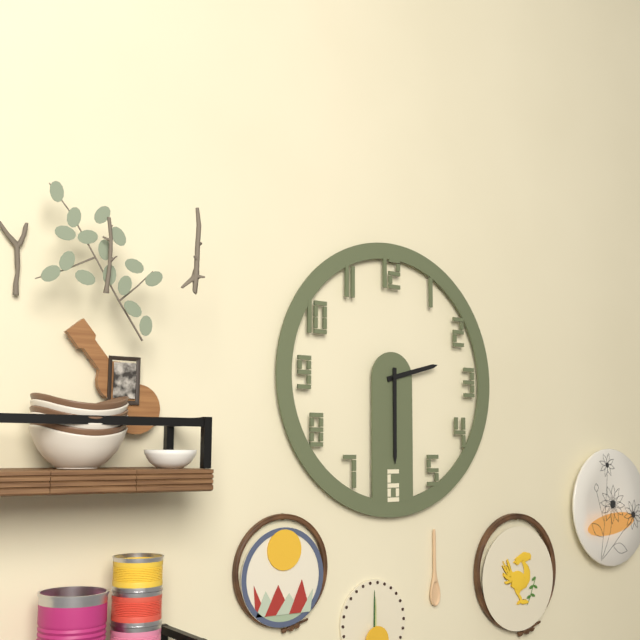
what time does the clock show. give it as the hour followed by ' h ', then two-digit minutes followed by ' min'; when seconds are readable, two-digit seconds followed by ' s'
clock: 2 h 30 min
